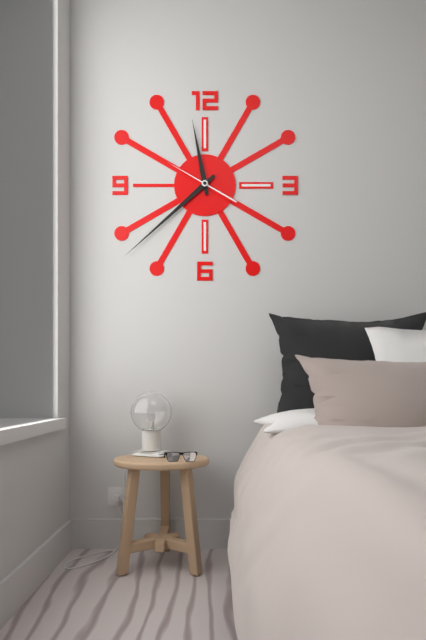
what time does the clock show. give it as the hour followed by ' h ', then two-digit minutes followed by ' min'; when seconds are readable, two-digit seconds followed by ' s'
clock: 11 h 38 min 50 s
